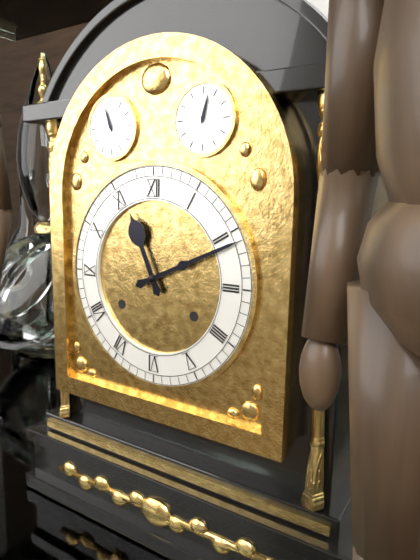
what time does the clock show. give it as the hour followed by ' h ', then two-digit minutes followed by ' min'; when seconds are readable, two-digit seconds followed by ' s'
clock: 11 h 11 min
